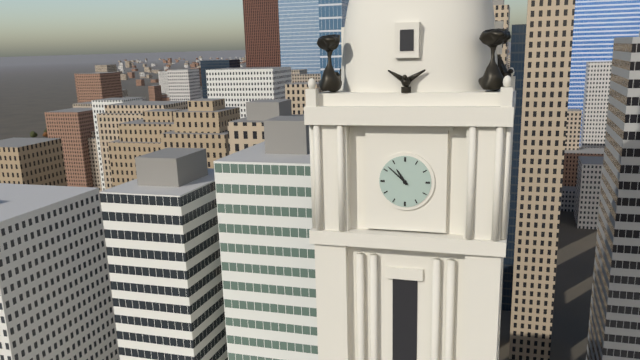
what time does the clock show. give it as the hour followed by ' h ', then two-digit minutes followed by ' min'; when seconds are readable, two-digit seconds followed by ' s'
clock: 10 h 52 min
